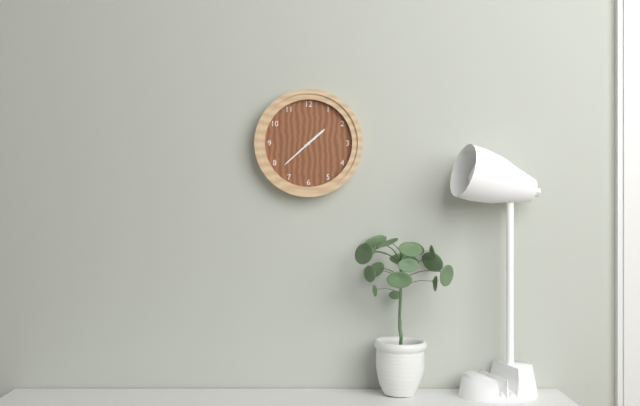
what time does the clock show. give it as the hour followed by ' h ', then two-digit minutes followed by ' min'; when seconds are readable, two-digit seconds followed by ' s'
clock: 1 h 38 min
